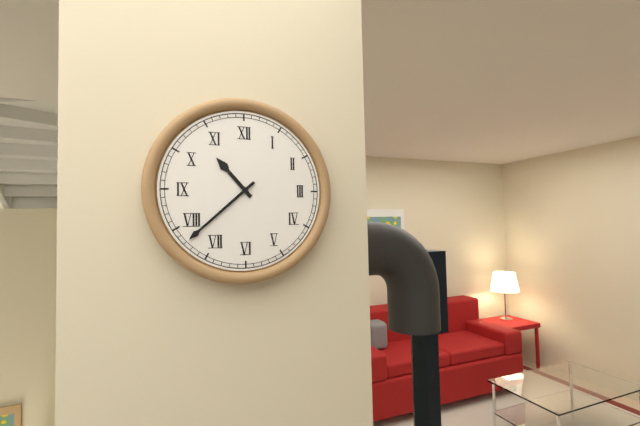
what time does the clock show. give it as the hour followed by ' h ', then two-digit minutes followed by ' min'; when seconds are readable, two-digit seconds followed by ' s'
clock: 10 h 38 min
